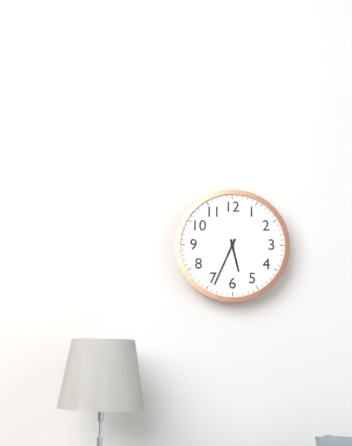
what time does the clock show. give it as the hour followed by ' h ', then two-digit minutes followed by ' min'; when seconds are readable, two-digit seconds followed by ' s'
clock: 5 h 34 min
